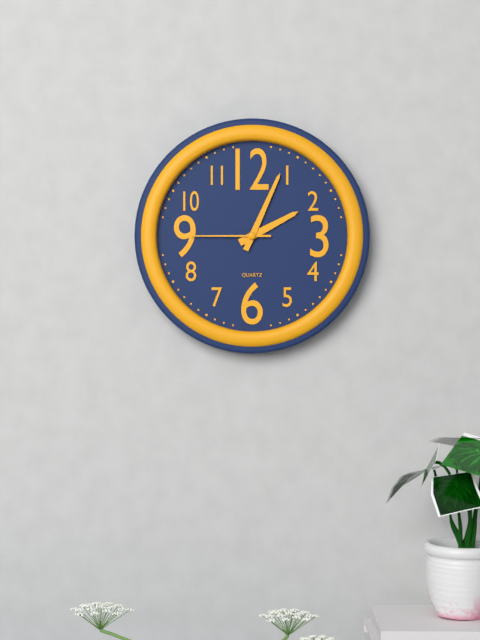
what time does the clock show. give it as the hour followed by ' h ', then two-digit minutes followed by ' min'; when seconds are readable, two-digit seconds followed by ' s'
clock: 2 h 04 min 45 s
